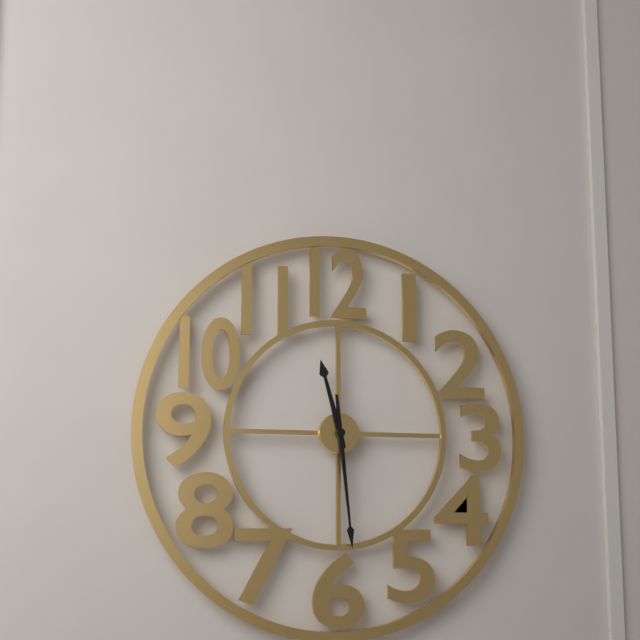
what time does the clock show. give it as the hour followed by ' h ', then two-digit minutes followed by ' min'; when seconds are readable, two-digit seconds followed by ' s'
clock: 11 h 29 min
